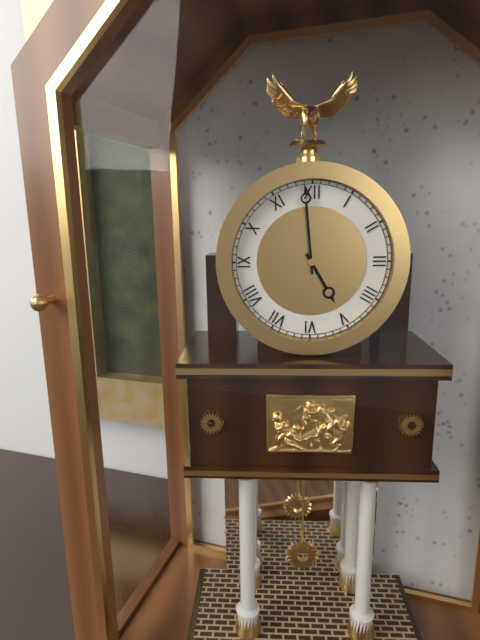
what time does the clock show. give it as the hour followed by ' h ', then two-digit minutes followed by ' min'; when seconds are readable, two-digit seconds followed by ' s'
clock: 4 h 59 min
